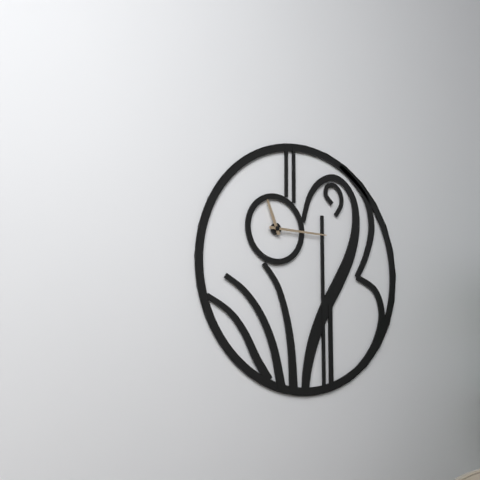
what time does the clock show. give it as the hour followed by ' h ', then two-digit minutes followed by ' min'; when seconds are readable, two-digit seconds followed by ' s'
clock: 11 h 15 min
